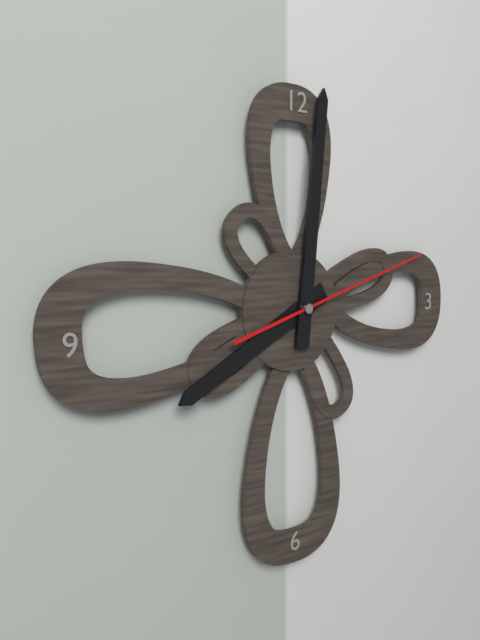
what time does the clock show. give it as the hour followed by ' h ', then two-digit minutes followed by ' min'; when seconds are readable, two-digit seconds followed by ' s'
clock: 8 h 01 min 12 s
